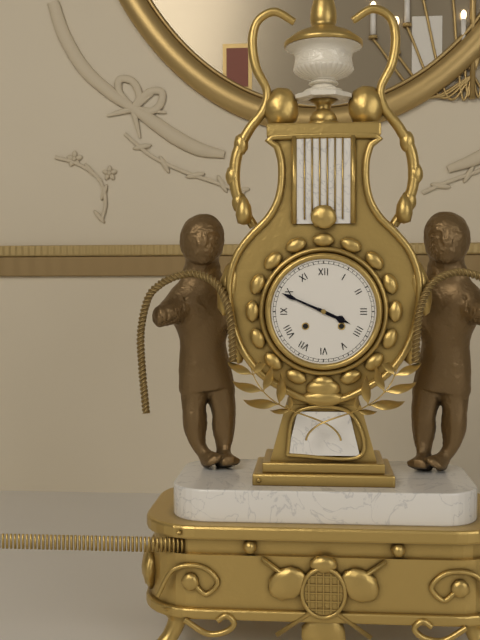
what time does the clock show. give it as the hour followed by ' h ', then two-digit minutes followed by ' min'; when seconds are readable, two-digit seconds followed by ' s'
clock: 3 h 49 min
